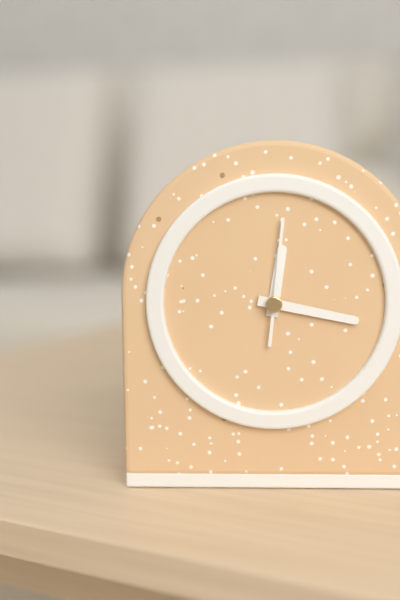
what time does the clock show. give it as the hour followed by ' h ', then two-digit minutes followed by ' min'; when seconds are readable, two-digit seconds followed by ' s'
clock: 12 h 17 min 01 s
